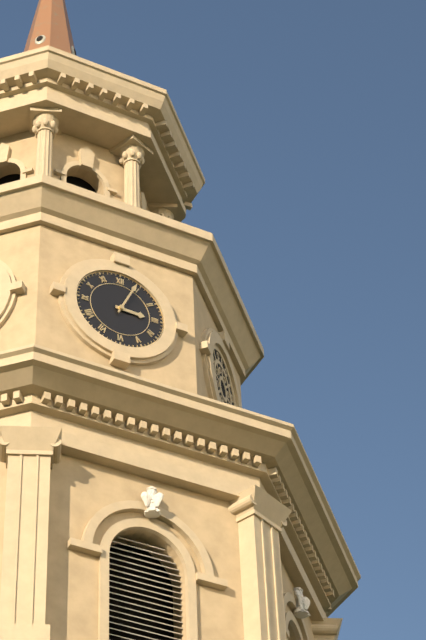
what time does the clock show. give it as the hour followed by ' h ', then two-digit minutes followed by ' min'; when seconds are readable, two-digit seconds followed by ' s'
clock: 3 h 04 min
